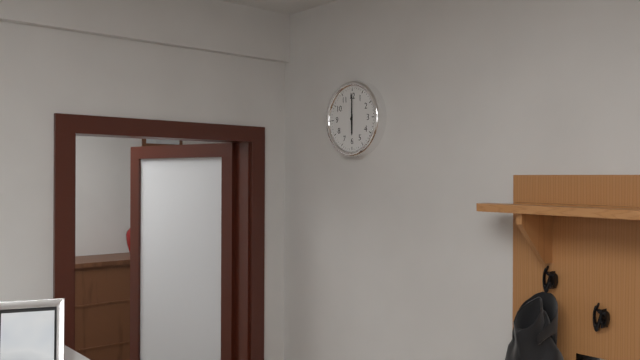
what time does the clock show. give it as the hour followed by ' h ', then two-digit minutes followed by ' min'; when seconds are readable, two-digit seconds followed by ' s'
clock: 6 h 00 min
